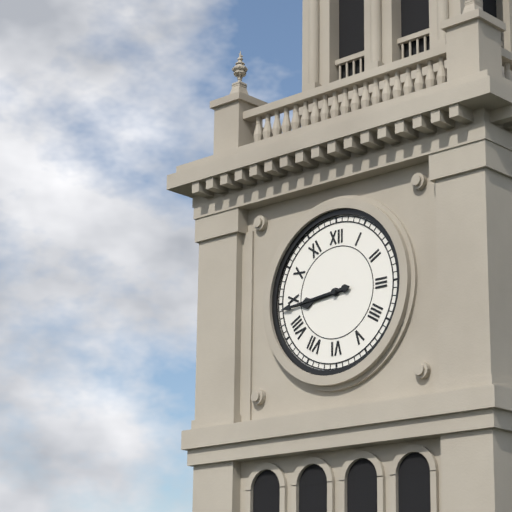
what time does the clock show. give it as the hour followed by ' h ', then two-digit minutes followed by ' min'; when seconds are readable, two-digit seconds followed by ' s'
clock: 8 h 44 min
